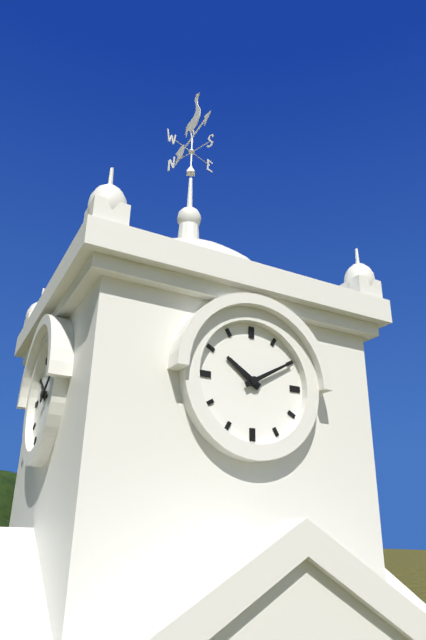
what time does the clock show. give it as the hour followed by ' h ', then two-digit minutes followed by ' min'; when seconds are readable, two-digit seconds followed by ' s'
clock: 10 h 10 min
